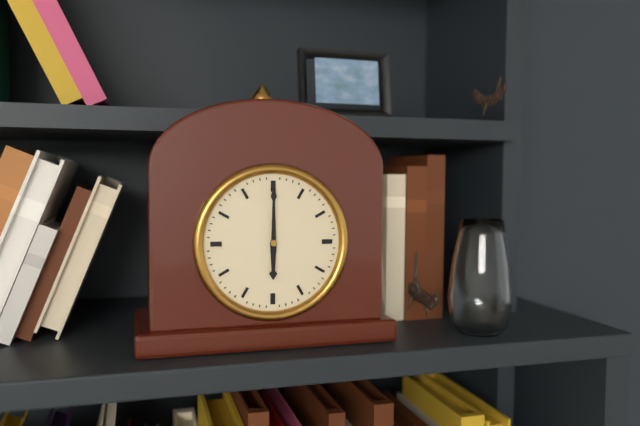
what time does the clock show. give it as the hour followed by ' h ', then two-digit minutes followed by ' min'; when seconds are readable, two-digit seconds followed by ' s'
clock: 6 h 00 min
